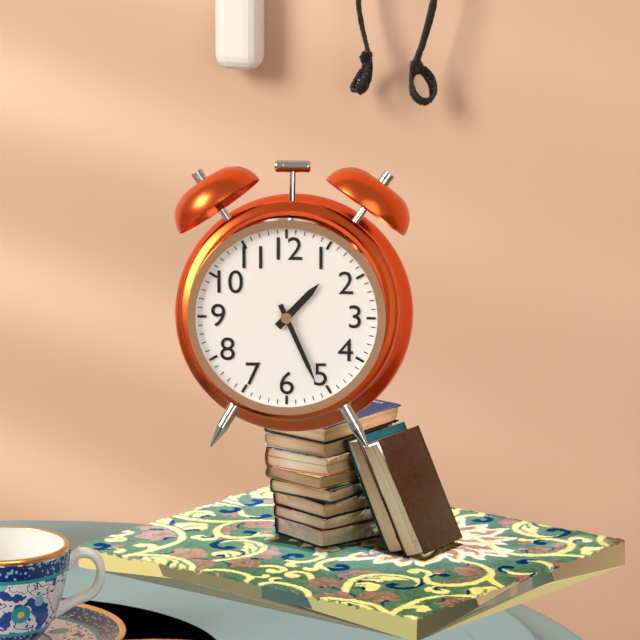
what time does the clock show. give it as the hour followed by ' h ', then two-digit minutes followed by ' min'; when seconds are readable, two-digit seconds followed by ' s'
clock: 1 h 26 min
